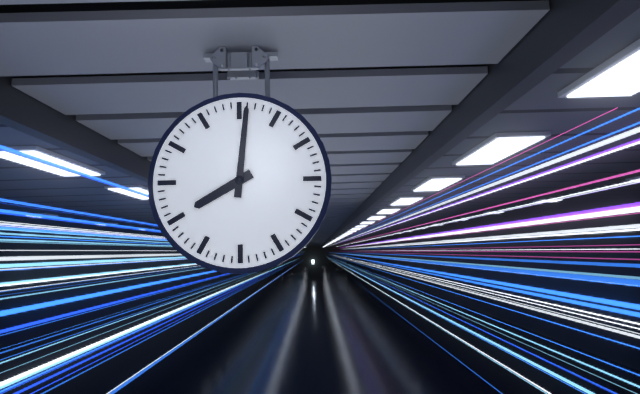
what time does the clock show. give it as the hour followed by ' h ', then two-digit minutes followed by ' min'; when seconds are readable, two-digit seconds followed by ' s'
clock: 8 h 01 min
